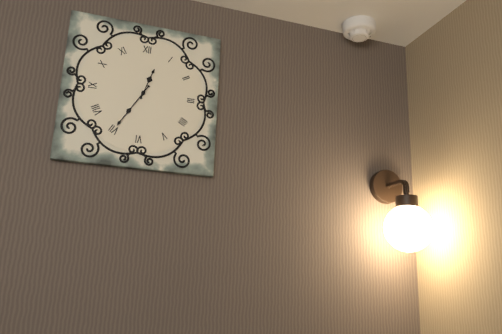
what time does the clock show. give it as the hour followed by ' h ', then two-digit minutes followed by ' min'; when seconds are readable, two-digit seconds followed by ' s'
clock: 12 h 35 min
